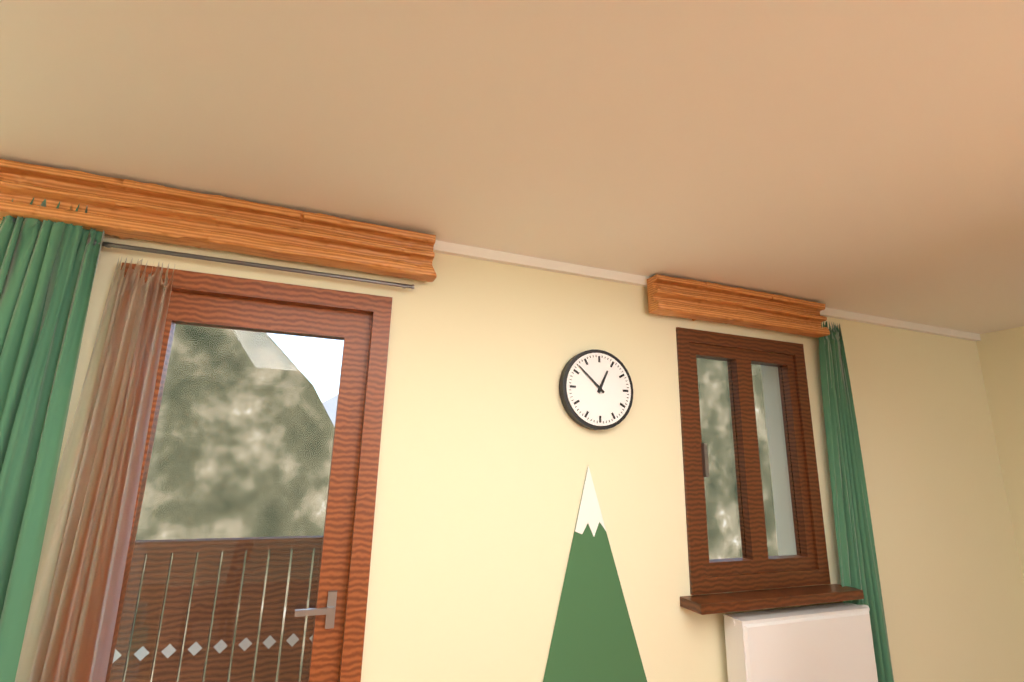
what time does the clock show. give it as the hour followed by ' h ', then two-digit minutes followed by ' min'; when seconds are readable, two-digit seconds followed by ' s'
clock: 12 h 52 min
